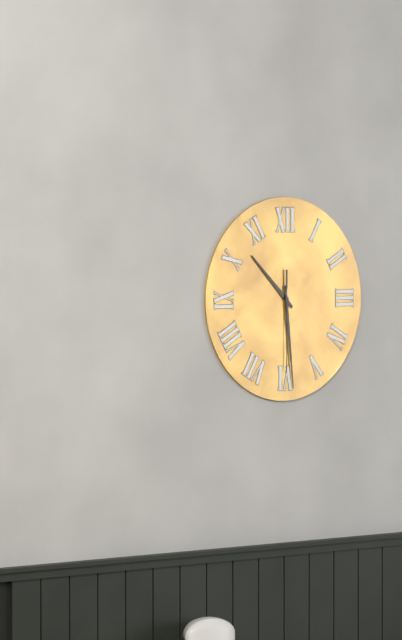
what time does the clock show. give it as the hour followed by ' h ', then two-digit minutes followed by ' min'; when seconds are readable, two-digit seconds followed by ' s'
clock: 10 h 29 min 30 s
